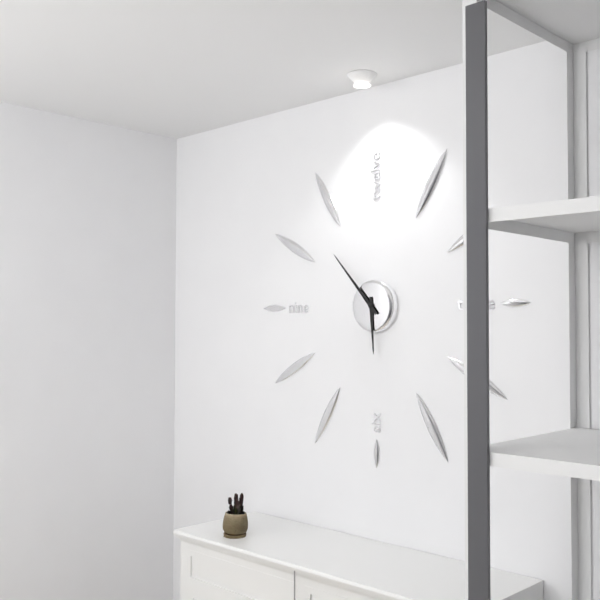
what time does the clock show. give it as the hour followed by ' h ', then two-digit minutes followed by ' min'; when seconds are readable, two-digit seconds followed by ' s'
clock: 5 h 53 min
